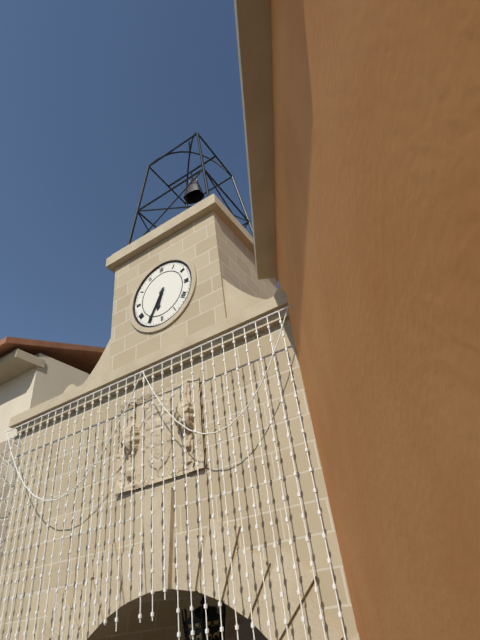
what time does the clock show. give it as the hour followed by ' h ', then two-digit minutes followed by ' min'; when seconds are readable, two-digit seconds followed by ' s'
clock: 6 h 35 min
